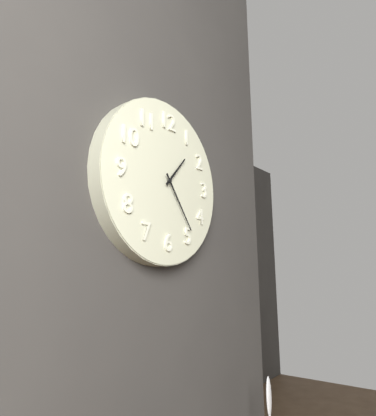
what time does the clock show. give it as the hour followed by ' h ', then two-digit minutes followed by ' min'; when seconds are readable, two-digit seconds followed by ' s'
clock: 1 h 24 min
